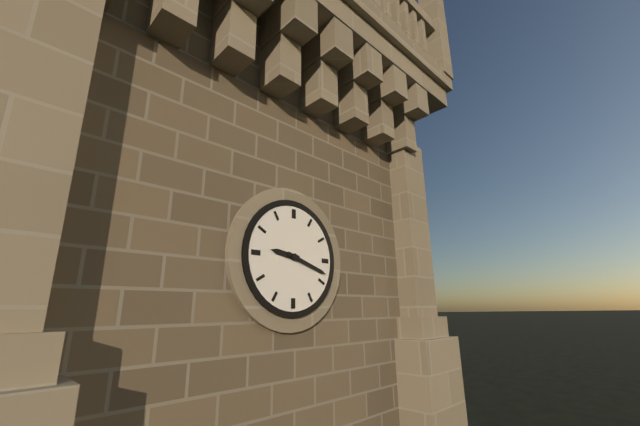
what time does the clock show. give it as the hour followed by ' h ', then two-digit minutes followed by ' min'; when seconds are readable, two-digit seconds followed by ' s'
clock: 9 h 18 min
